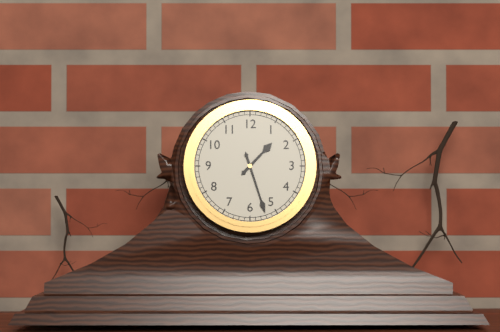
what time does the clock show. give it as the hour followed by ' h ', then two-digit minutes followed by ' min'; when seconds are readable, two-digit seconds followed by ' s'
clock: 1 h 27 min
